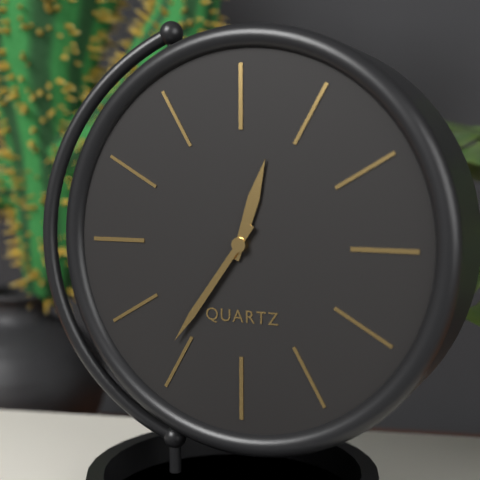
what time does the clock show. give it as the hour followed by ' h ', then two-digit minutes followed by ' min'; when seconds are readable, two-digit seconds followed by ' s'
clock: 12 h 36 min
